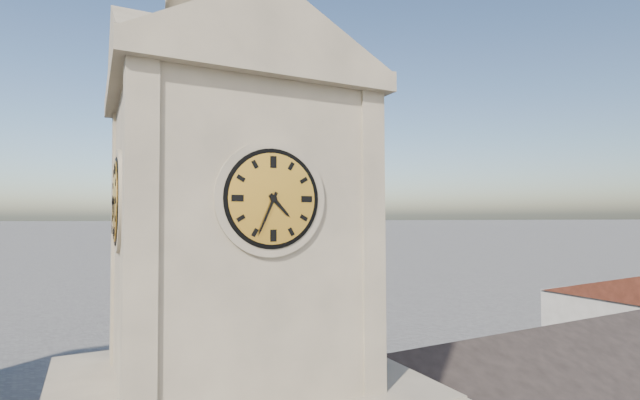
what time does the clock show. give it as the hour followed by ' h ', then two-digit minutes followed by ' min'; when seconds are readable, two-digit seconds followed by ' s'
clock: 4 h 34 min
